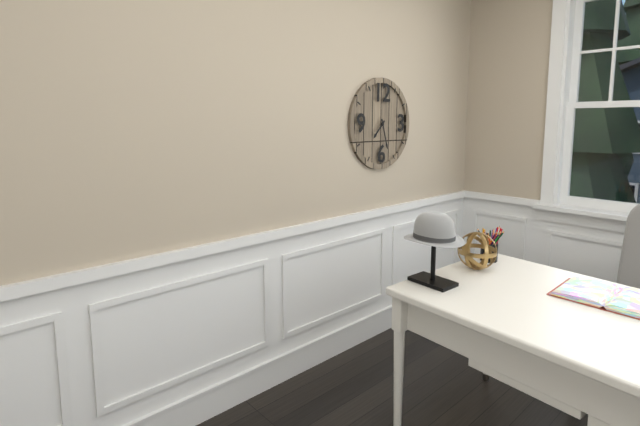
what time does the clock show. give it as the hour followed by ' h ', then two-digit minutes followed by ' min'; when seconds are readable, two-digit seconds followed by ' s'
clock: 7 h 27 min
